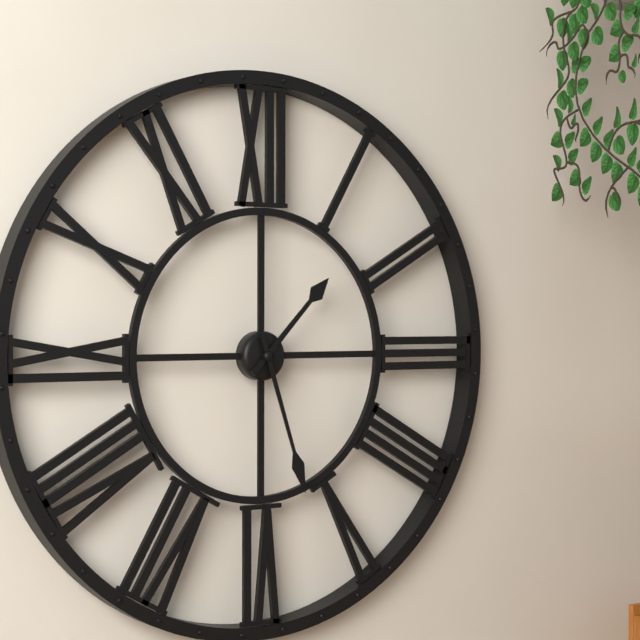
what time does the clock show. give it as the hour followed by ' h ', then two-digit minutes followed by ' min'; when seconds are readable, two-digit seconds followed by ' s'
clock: 1 h 27 min
